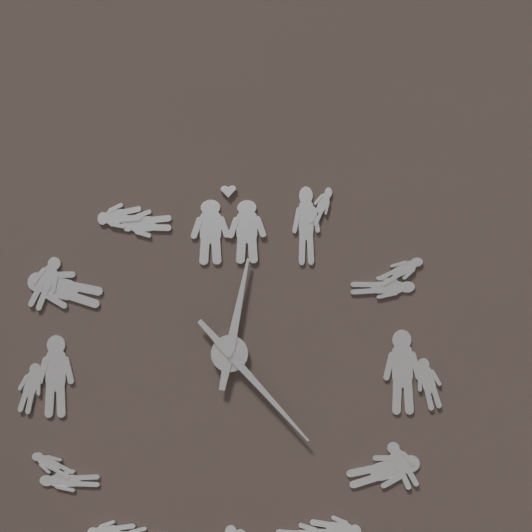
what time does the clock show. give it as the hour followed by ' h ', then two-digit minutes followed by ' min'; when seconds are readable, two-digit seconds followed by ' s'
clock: 12 h 23 min
